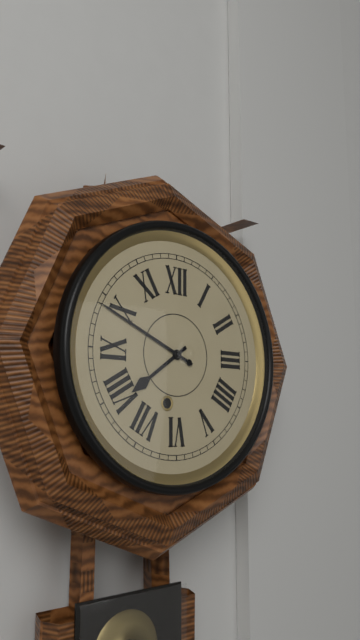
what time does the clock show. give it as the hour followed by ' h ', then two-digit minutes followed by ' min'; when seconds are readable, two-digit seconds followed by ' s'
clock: 7 h 49 min
